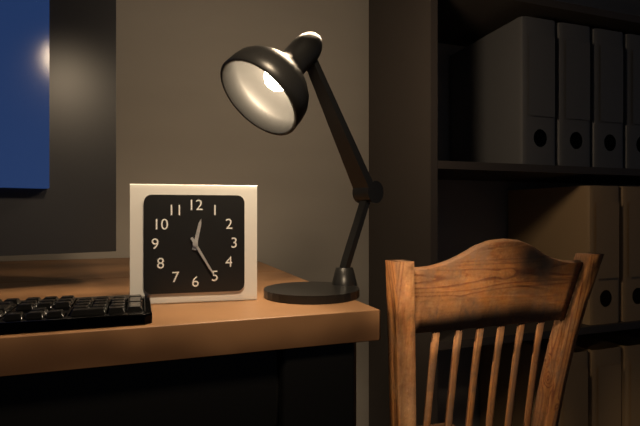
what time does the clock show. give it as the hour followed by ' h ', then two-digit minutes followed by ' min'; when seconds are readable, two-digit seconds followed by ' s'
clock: 12 h 25 min
